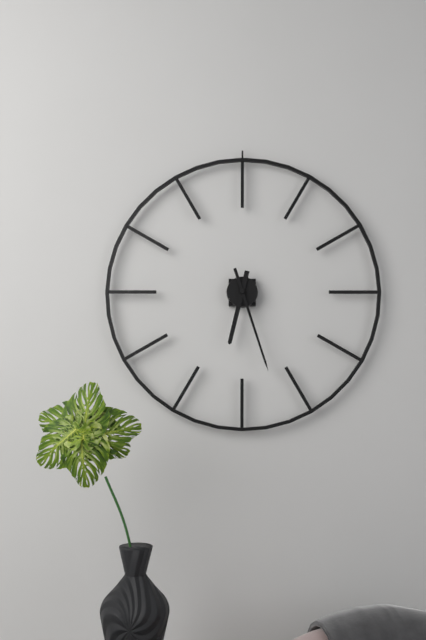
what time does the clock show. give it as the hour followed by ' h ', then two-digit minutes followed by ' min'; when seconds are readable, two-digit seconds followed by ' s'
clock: 6 h 27 min
